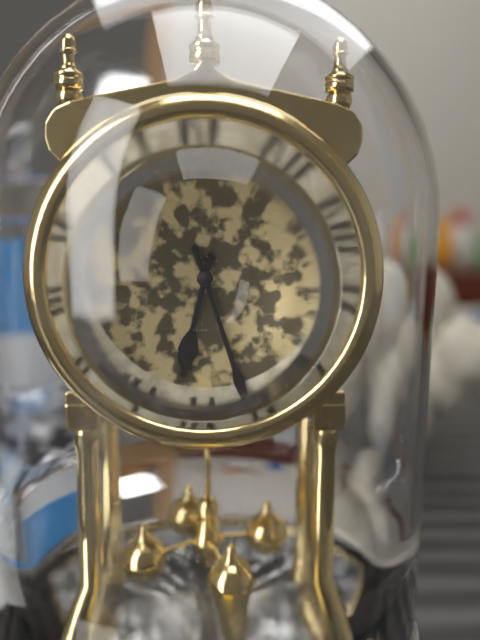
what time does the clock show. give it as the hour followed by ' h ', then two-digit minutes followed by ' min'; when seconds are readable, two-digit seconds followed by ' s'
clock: 6 h 27 min
